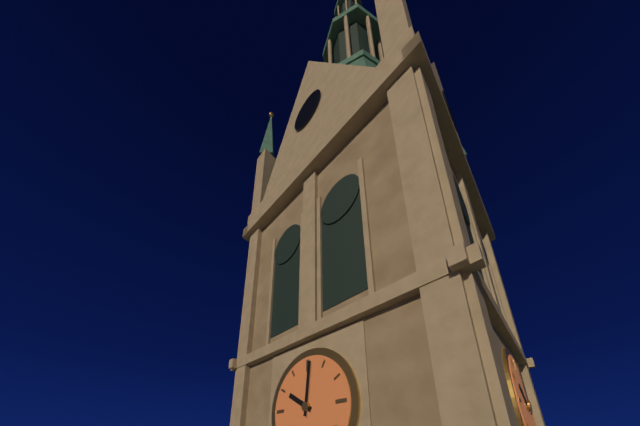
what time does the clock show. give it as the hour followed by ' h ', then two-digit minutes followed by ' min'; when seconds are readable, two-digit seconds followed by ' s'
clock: 10 h 01 min
